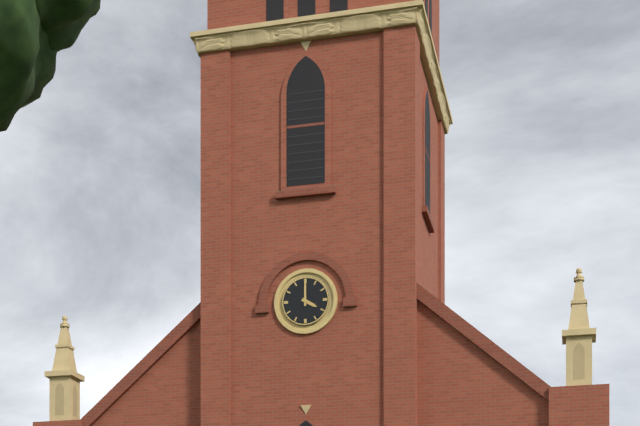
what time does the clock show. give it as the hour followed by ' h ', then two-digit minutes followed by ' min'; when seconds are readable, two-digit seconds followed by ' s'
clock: 4 h 00 min
